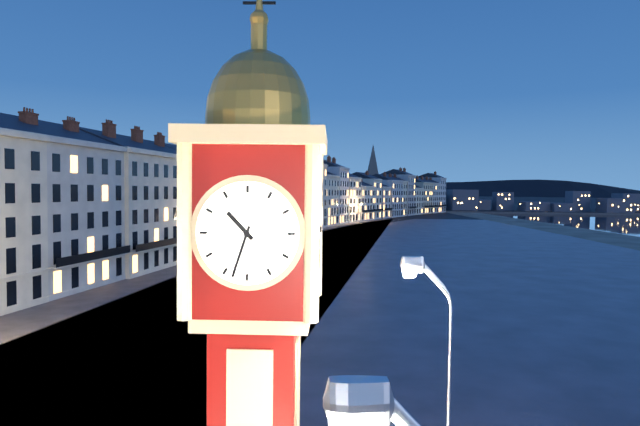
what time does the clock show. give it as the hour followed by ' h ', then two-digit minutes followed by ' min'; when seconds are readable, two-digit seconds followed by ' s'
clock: 10 h 33 min
